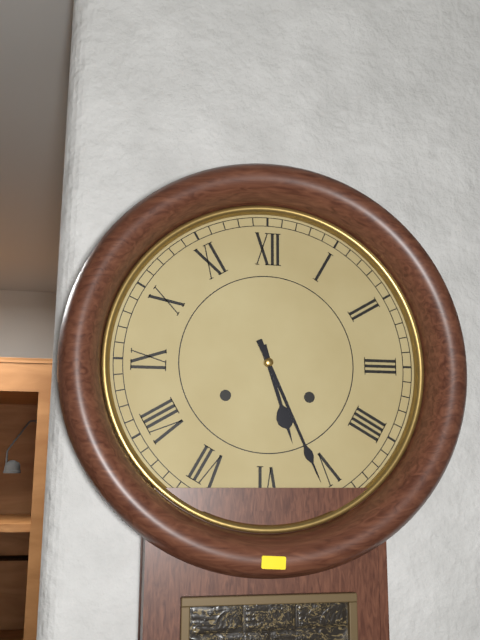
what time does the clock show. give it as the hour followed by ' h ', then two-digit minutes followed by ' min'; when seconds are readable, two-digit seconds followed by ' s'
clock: 5 h 26 min
